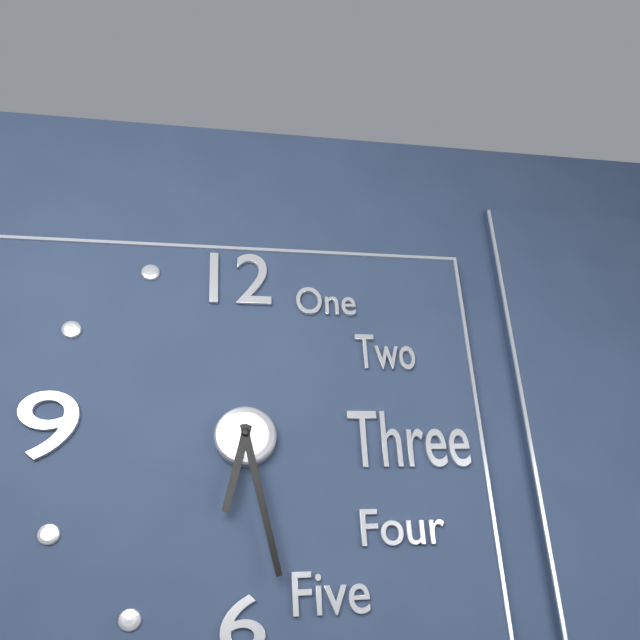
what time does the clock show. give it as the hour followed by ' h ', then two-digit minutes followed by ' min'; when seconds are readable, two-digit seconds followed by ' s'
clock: 6 h 28 min
